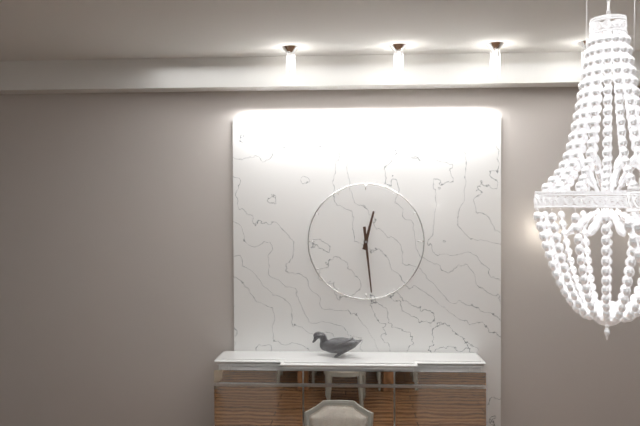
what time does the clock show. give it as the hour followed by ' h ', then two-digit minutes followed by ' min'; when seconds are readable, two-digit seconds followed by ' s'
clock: 12 h 29 min
